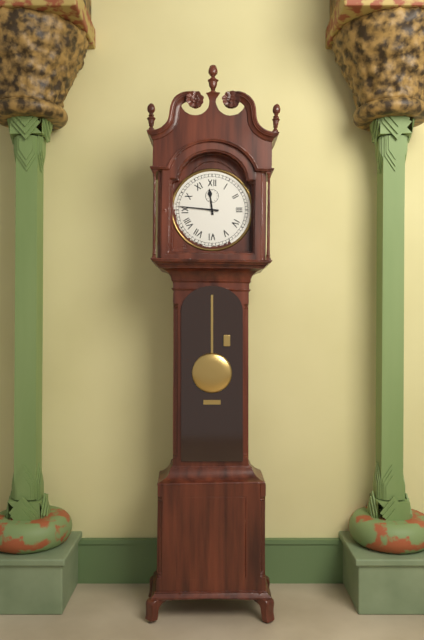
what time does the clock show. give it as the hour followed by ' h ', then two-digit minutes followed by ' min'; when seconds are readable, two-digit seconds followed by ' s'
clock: 11 h 46 min
